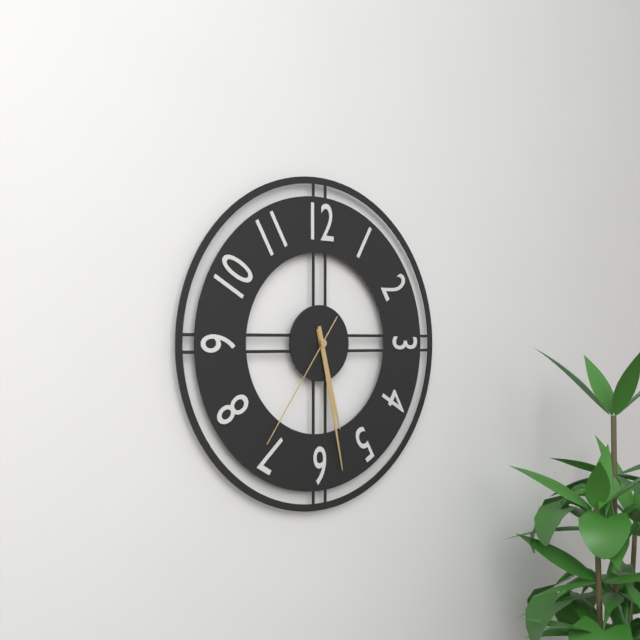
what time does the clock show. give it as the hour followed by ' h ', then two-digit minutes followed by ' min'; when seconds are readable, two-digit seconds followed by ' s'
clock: 5 h 28 min 36 s
